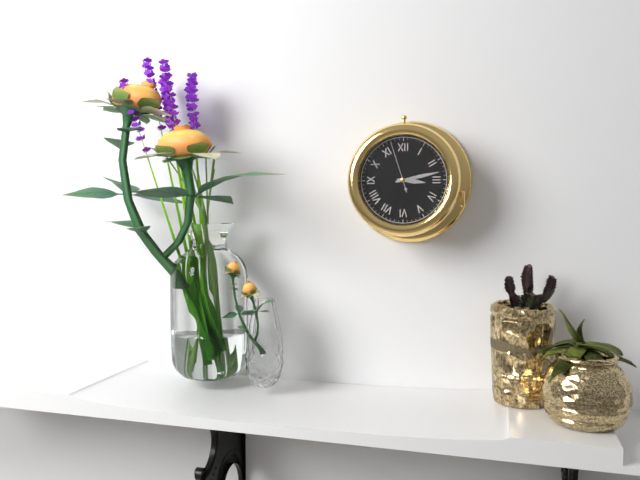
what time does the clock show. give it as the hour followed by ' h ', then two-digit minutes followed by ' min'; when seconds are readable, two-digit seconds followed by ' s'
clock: 3 h 13 min 57 s
